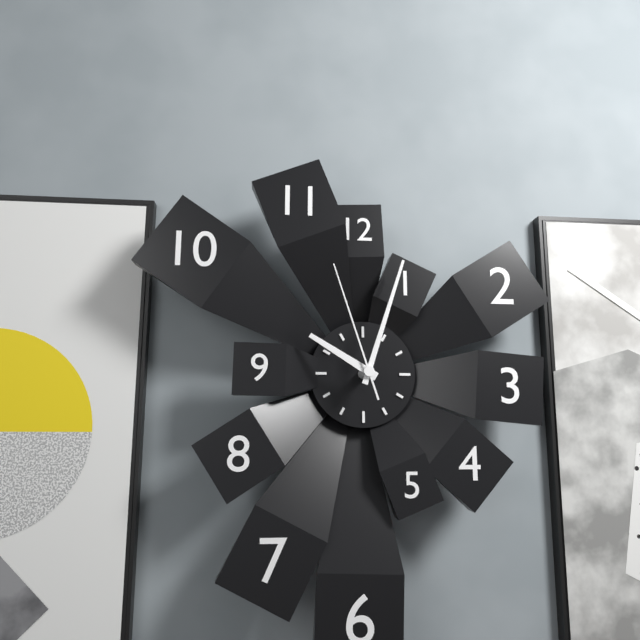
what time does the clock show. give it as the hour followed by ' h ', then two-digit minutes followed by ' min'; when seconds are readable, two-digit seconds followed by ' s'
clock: 10 h 03 min 57 s
